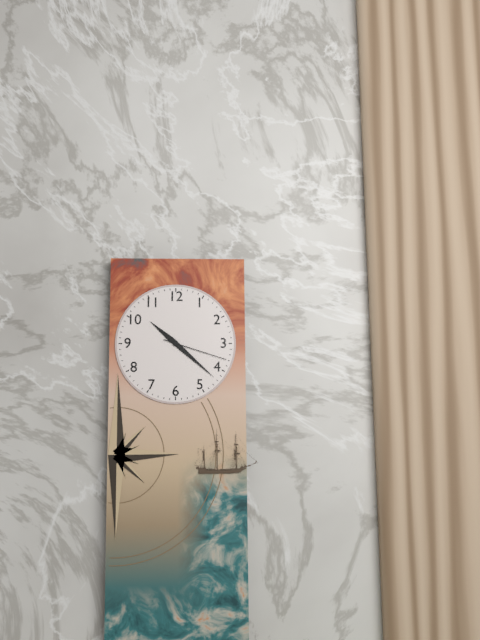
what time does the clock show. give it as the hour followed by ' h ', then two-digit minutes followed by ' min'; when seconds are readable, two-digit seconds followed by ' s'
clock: 10 h 22 min 18 s
